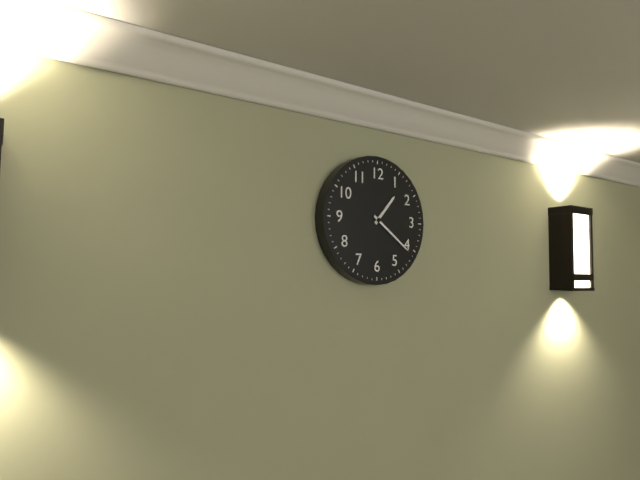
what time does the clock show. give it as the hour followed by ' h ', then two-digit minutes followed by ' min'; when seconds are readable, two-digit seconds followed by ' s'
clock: 1 h 21 min
